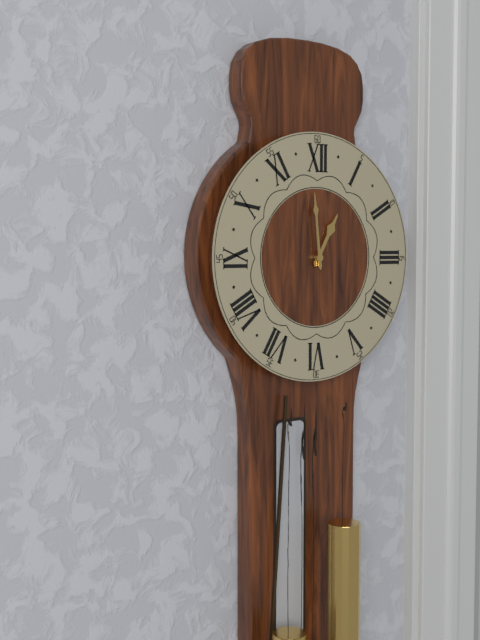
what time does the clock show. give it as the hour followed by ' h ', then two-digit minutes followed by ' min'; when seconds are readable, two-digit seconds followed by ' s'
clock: 12 h 59 min
